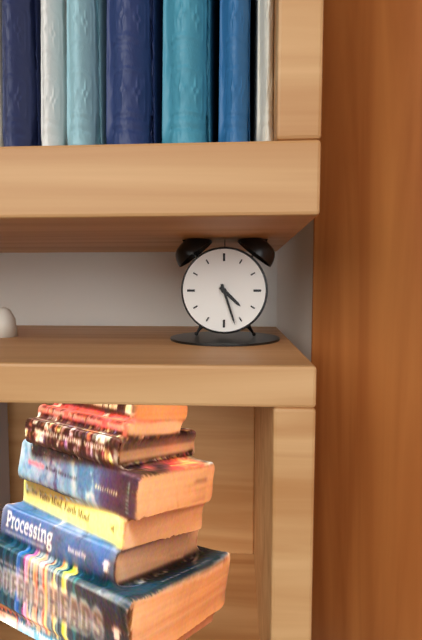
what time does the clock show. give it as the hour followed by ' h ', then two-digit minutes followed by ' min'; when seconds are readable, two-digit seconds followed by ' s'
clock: 4 h 27 min
